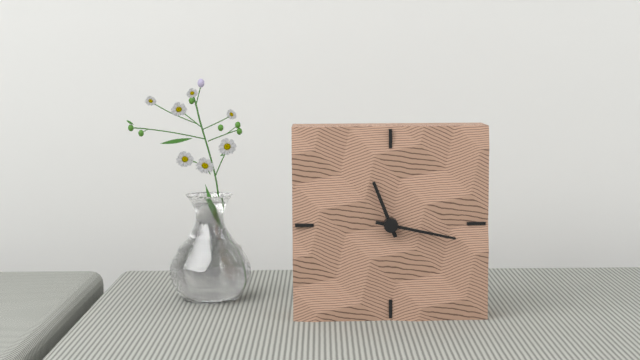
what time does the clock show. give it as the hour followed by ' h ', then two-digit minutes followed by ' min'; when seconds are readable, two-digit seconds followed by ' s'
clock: 11 h 17 min
